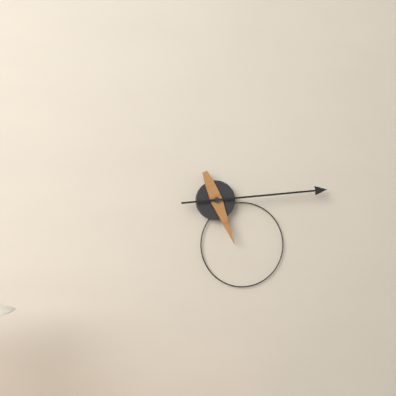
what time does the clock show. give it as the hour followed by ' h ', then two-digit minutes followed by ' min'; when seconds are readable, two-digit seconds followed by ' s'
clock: 5 h 14 min
